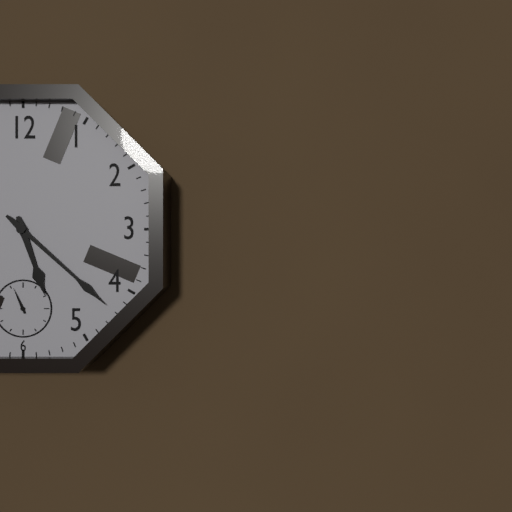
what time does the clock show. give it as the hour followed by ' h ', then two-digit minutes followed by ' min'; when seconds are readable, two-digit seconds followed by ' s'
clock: 5 h 22 min
